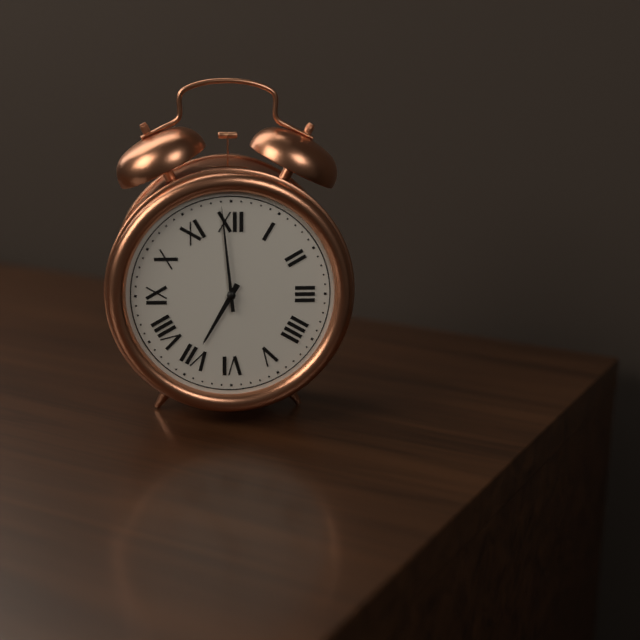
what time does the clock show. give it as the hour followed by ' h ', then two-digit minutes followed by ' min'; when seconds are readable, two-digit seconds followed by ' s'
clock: 6 h 59 min
